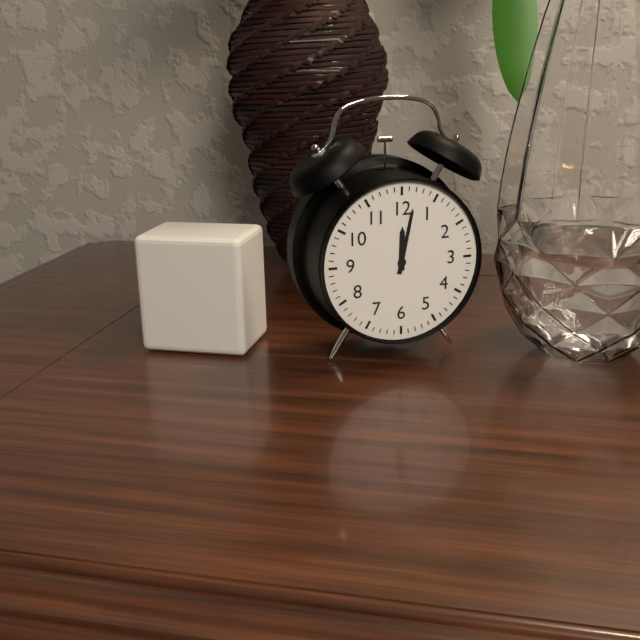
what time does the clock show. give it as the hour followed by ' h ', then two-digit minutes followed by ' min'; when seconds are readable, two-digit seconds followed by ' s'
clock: 12 h 02 min
